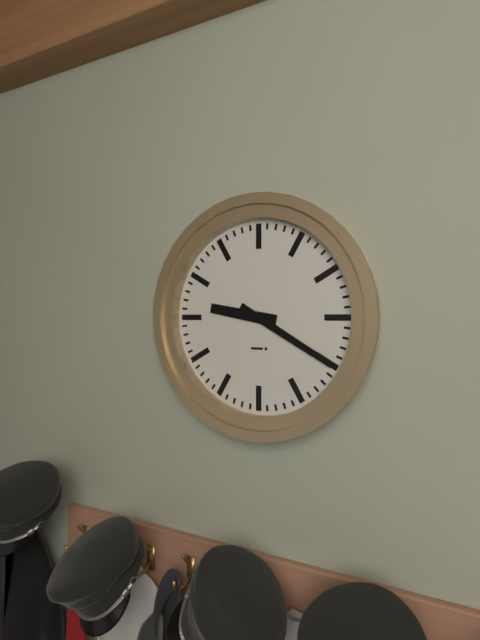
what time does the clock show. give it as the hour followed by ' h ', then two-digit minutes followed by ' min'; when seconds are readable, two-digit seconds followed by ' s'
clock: 9 h 20 min
